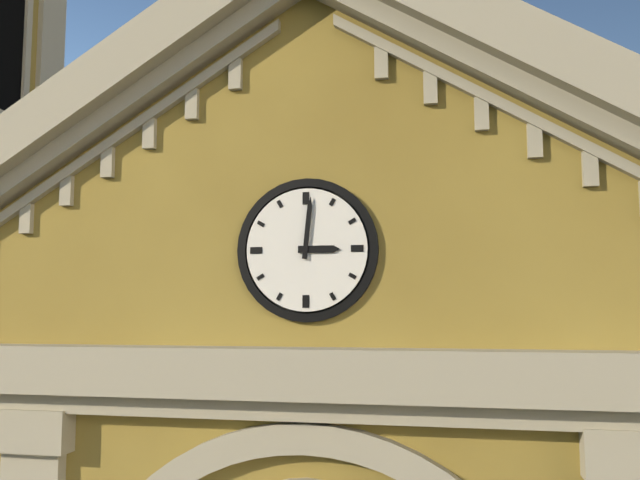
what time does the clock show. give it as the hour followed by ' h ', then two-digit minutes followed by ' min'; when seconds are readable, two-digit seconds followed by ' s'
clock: 3 h 01 min
